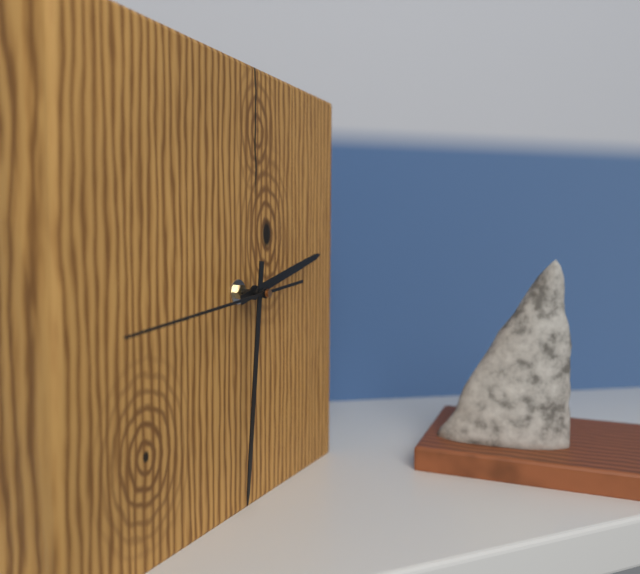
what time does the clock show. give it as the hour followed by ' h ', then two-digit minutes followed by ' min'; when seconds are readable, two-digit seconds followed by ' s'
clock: 2 h 31 min 44 s
